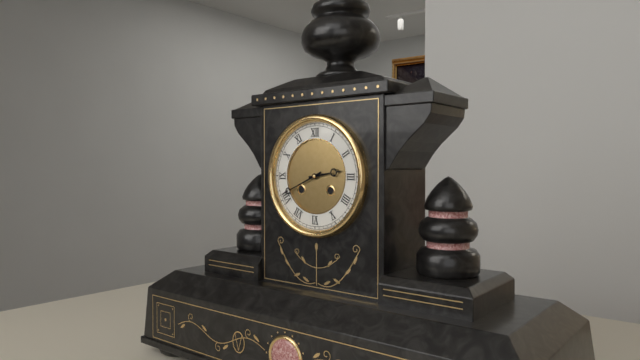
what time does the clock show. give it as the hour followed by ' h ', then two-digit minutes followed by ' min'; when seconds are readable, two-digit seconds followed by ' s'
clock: 2 h 41 min
